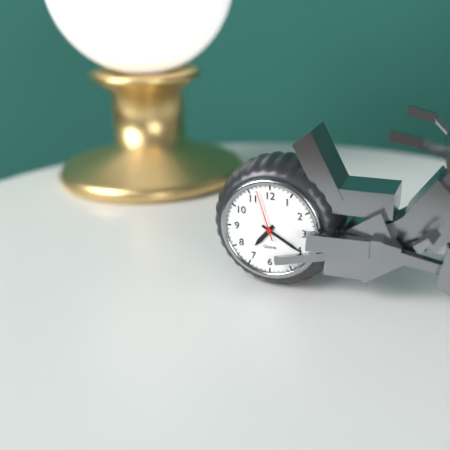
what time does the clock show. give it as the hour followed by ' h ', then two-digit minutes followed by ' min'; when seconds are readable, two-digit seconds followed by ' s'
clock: 7 h 20 min 57 s
